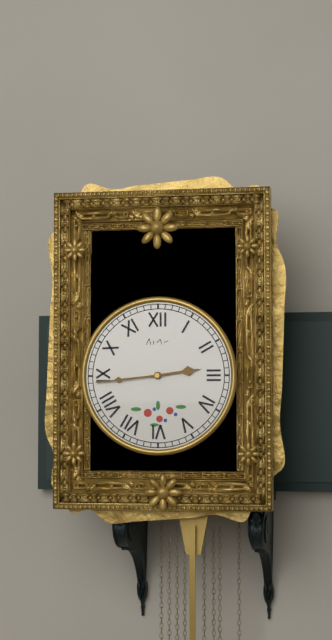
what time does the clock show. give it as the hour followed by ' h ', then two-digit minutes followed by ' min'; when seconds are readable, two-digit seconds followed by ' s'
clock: 2 h 44 min
